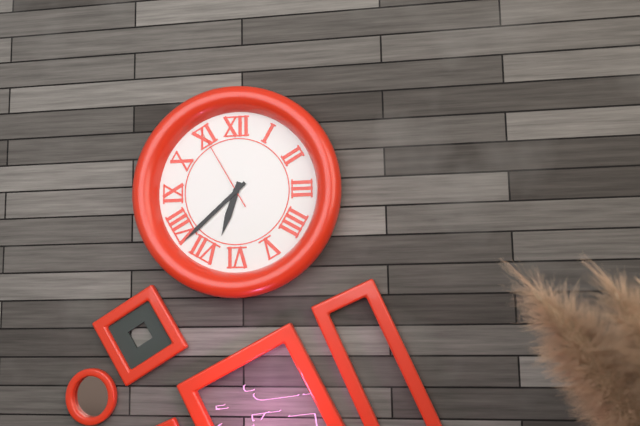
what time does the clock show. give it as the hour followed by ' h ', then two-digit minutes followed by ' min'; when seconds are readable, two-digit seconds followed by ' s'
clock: 6 h 38 min 55 s
